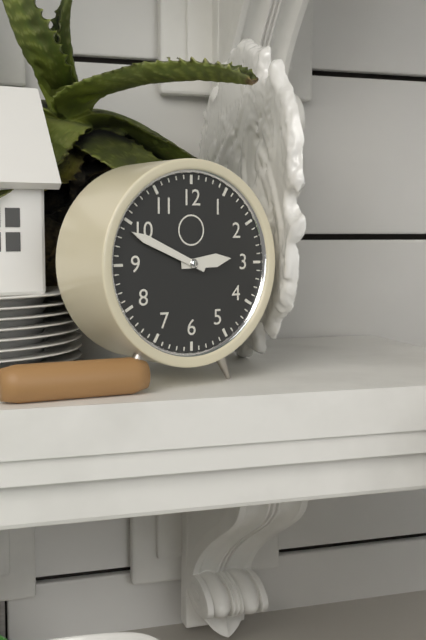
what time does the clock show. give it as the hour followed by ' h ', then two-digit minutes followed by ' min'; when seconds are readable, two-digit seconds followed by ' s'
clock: 2 h 49 min
